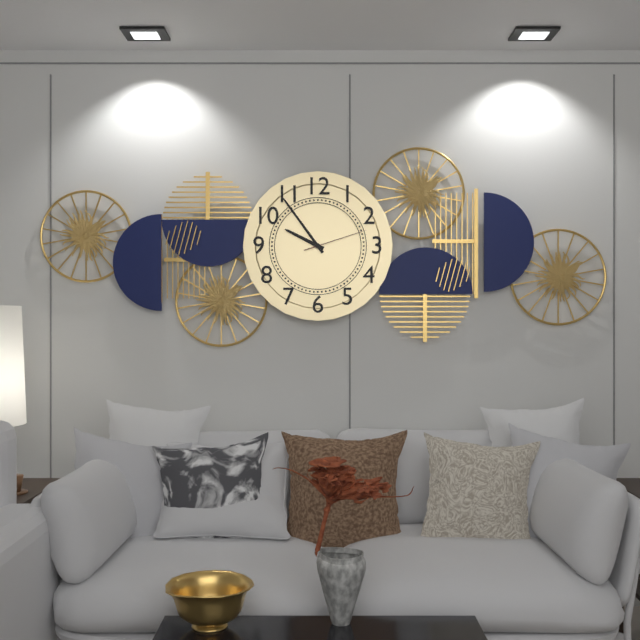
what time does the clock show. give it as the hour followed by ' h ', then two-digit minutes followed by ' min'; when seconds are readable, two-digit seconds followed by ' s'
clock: 9 h 54 min 12 s
